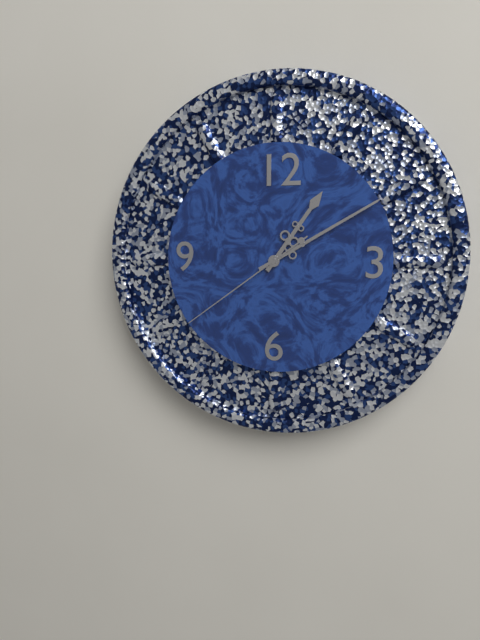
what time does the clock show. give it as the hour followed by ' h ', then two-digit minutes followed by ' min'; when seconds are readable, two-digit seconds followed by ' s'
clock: 1 h 10 min 39 s
